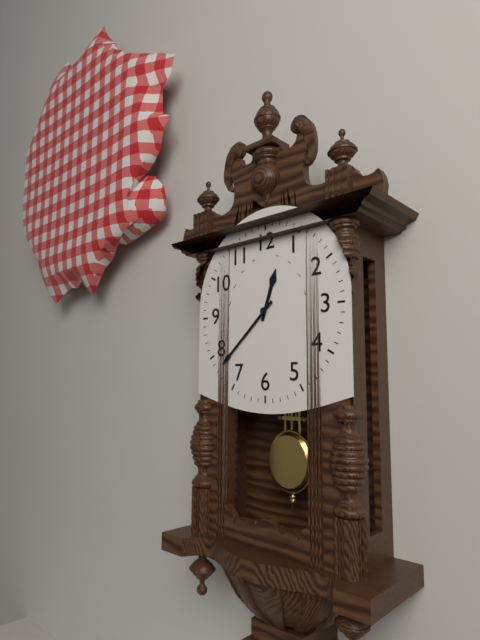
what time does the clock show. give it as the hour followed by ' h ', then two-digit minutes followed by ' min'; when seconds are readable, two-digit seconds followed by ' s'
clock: 12 h 38 min
